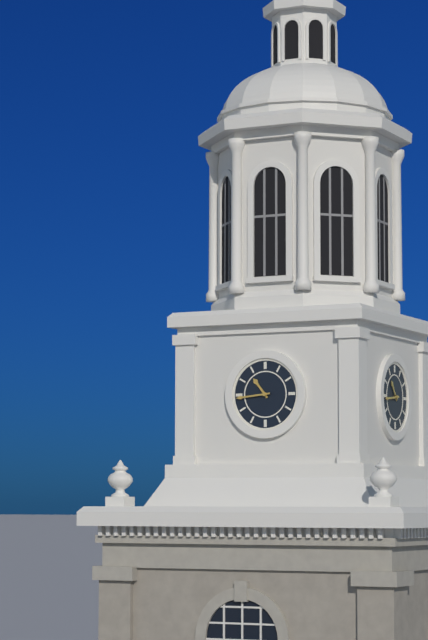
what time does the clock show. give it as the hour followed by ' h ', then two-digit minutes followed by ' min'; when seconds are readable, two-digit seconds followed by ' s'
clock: 10 h 44 min
